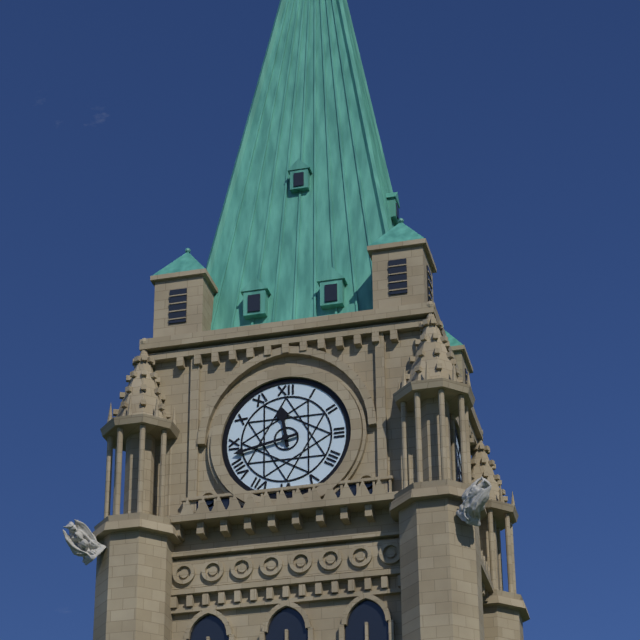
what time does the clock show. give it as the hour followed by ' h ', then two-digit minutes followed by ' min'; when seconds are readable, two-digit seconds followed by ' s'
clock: 11 h 43 min
